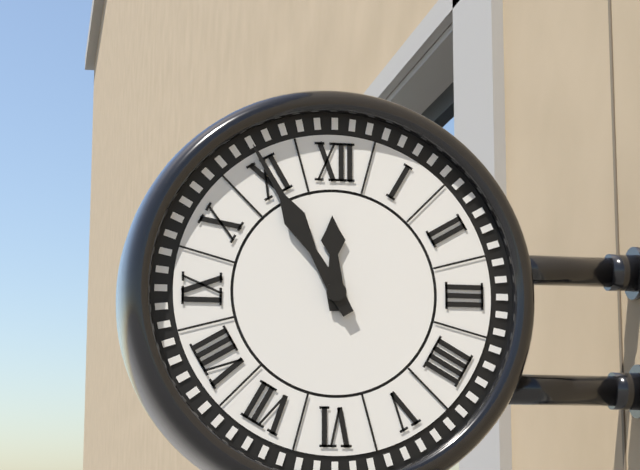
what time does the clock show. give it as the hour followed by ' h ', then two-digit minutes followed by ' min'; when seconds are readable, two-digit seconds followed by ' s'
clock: 11 h 55 min
